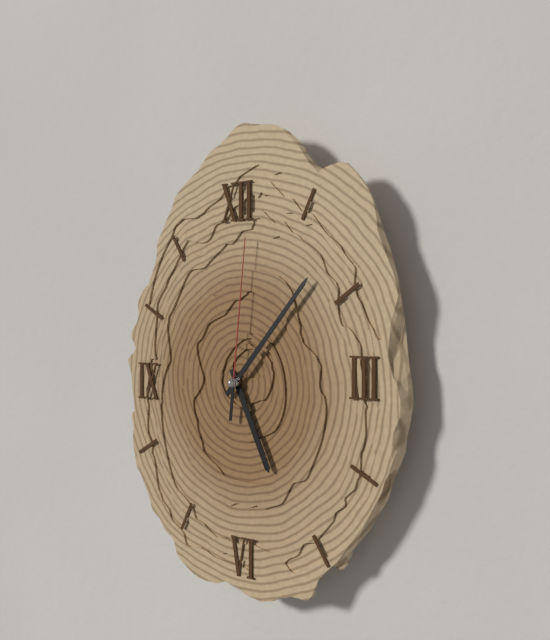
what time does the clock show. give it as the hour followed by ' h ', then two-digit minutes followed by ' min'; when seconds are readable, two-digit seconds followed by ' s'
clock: 5 h 07 min 01 s
